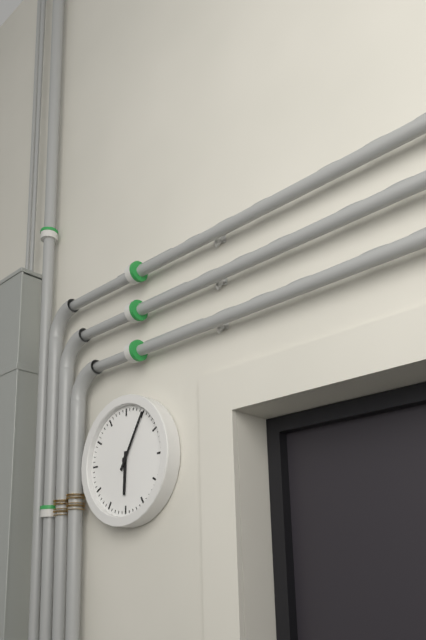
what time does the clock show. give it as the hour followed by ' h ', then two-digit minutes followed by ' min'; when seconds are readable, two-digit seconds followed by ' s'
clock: 6 h 05 min
